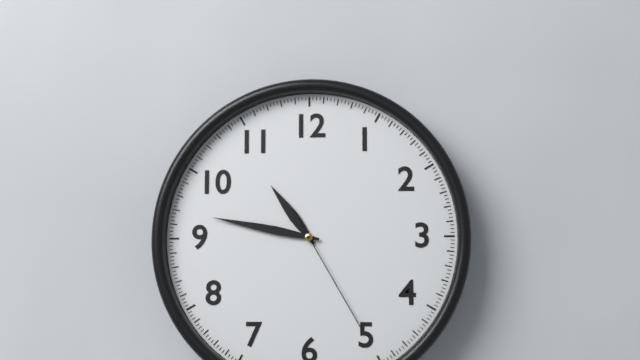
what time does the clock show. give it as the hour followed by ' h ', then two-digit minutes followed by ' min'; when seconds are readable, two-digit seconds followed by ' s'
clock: 10 h 47 min 25 s
